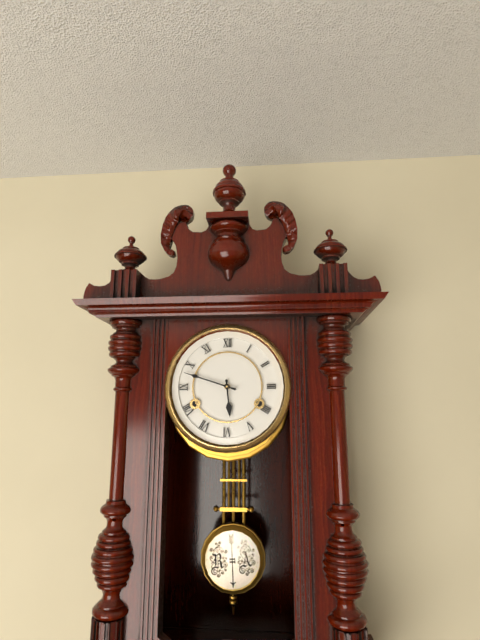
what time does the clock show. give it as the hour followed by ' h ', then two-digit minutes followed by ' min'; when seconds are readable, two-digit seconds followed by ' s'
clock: 5 h 48 min
